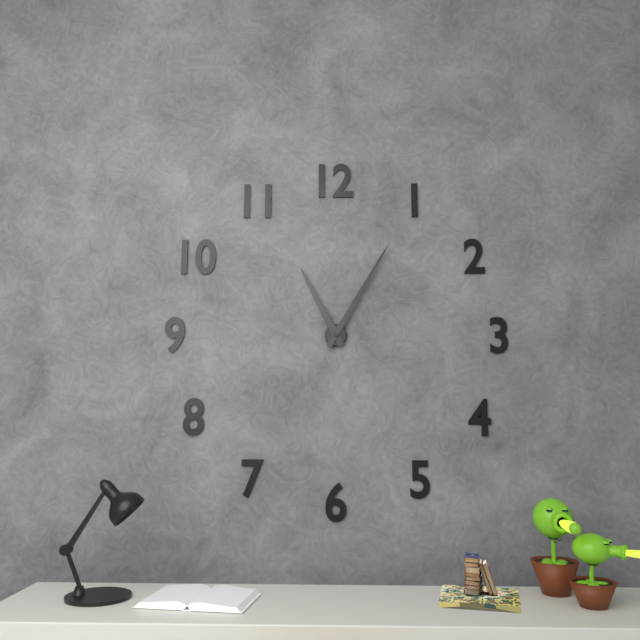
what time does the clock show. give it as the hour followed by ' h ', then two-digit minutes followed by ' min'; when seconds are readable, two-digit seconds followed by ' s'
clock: 11 h 05 min
